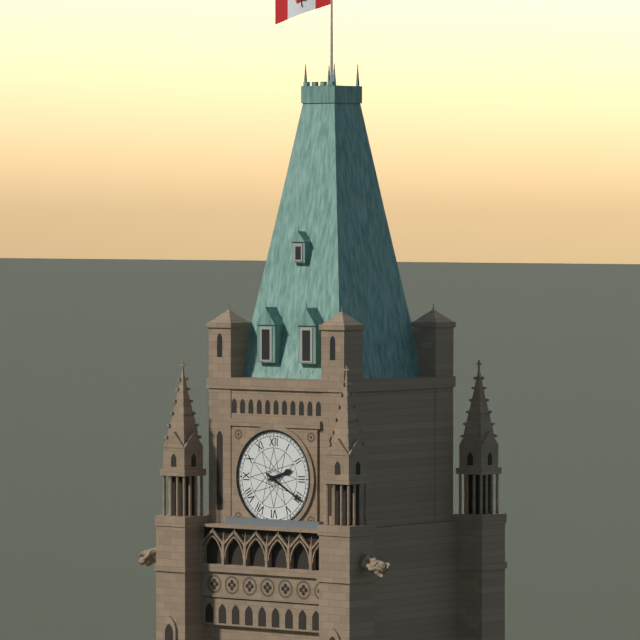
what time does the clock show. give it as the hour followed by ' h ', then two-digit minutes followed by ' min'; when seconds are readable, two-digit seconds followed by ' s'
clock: 2 h 20 min
